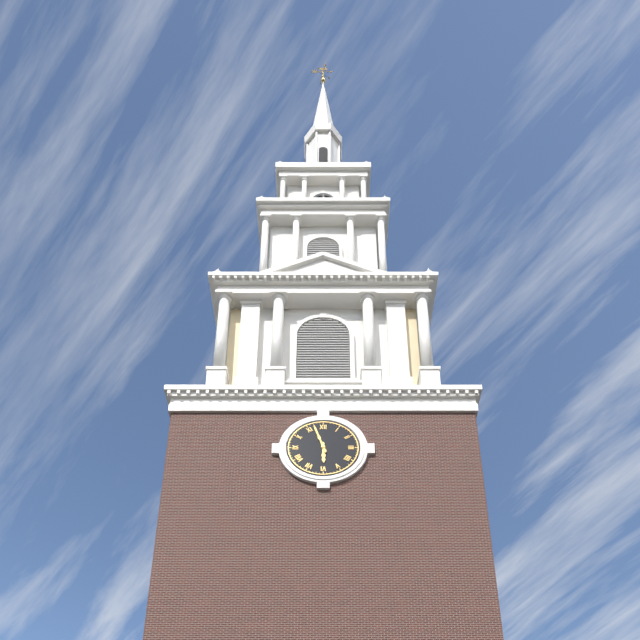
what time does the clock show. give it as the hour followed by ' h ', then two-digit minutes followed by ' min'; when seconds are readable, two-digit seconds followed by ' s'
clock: 5 h 57 min
